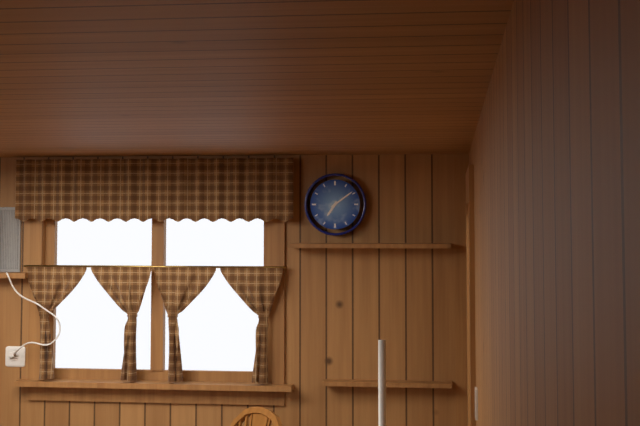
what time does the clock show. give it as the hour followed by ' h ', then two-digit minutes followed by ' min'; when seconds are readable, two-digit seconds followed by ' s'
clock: 7 h 09 min
